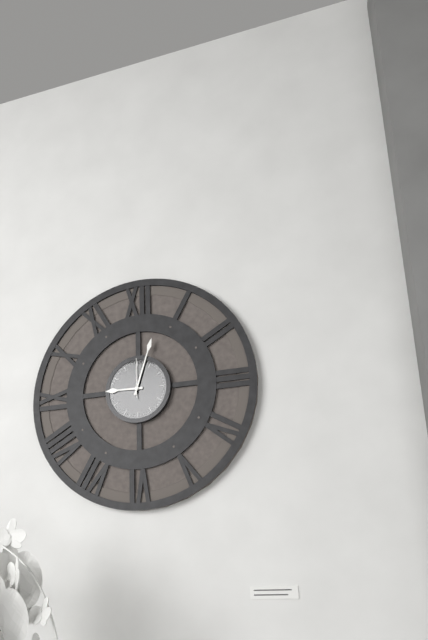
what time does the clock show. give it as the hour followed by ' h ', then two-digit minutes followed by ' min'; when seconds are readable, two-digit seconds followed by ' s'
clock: 9 h 03 min
